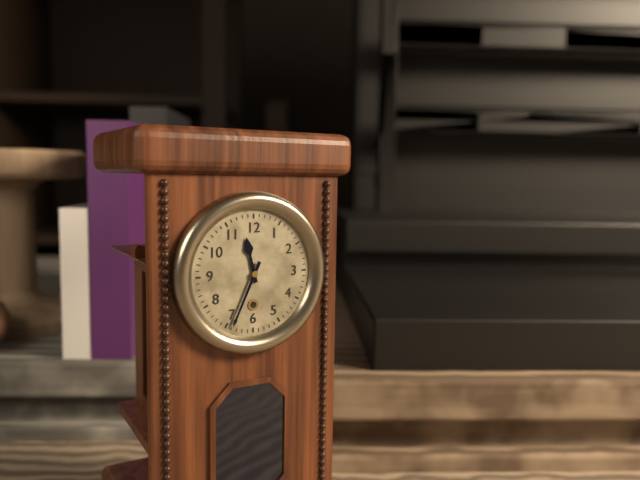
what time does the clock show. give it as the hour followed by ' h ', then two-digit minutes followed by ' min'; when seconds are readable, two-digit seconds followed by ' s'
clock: 11 h 34 min
